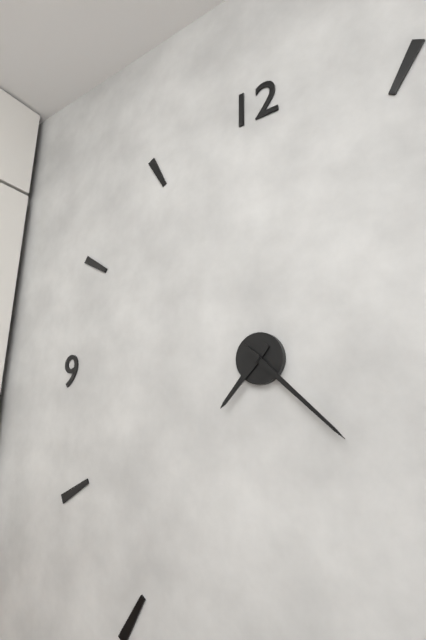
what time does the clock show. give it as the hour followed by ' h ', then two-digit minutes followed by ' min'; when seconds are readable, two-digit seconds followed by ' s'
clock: 7 h 22 min
